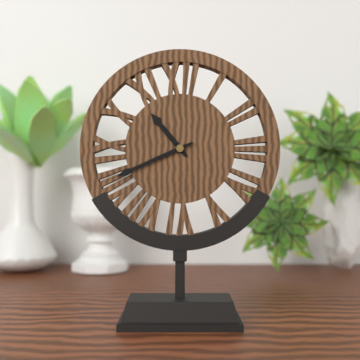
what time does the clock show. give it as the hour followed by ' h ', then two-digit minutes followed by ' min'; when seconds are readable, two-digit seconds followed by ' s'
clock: 10 h 41 min
